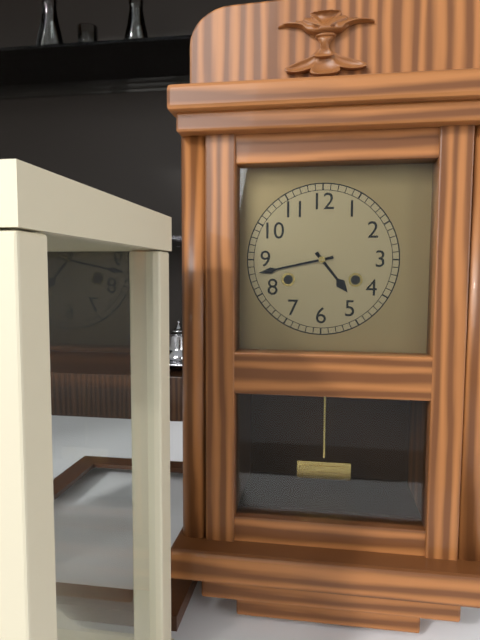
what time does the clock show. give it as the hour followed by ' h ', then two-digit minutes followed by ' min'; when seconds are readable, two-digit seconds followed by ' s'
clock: 4 h 43 min
